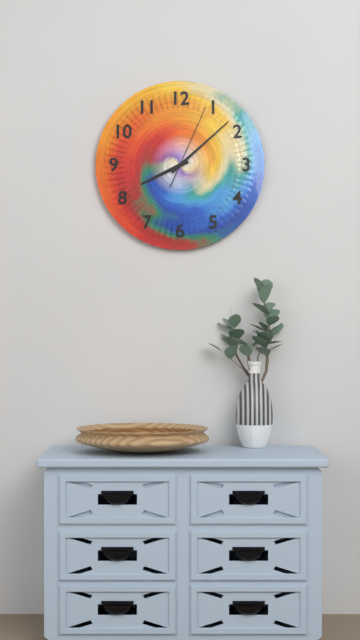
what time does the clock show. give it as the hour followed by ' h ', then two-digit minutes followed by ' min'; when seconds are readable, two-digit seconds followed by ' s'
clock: 8 h 08 min 04 s
